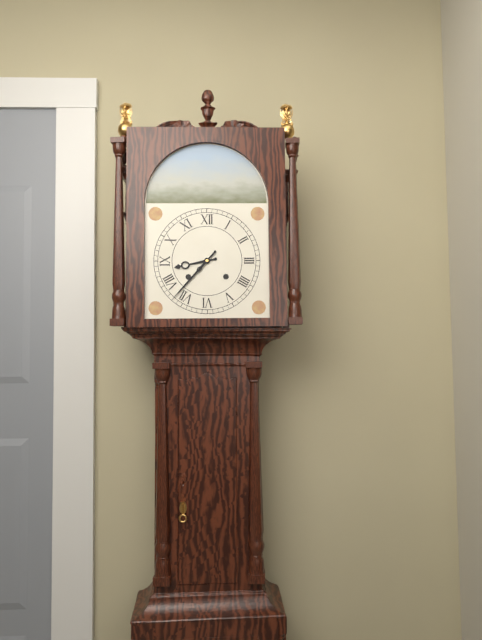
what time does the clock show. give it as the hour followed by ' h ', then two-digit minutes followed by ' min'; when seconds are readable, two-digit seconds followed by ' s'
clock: 8 h 37 min
